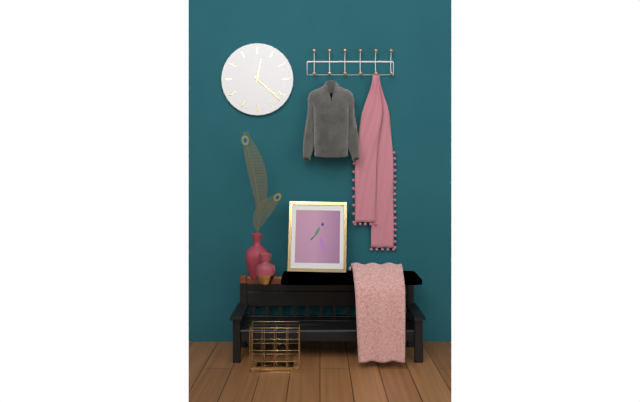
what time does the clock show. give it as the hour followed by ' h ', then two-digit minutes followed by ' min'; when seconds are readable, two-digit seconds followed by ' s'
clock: 12 h 22 min
